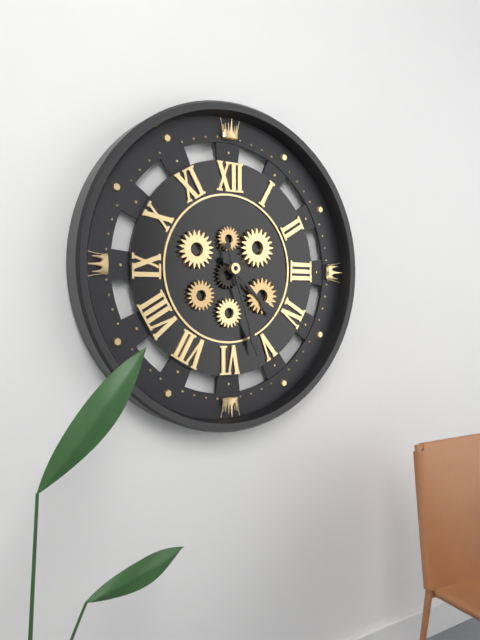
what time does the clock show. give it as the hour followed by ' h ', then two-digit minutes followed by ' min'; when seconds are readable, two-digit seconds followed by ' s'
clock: 4 h 27 min
